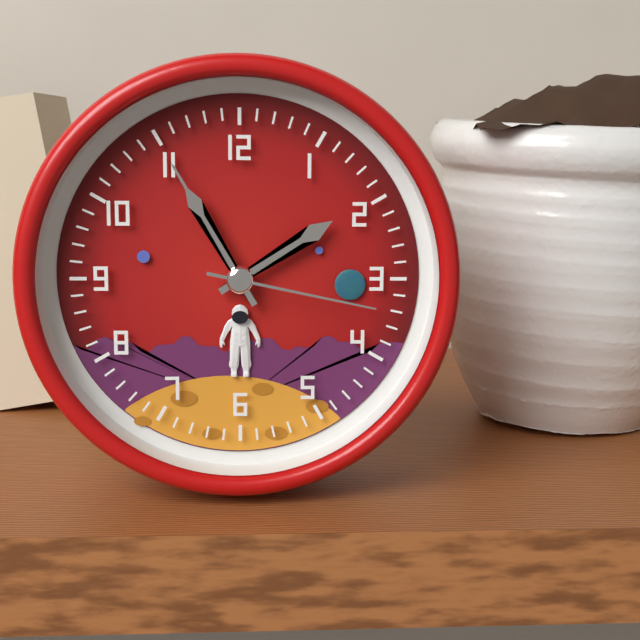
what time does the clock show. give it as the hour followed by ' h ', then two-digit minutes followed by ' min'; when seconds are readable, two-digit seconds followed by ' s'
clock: 1 h 55 min 17 s
